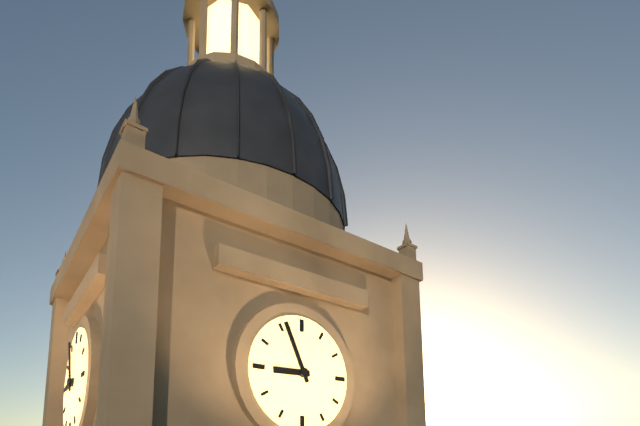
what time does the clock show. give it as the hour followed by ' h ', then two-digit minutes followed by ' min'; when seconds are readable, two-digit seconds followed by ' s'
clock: 8 h 56 min
